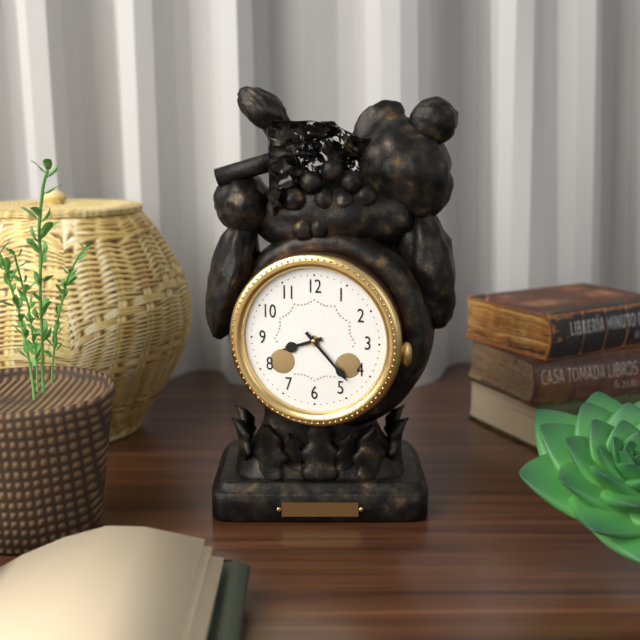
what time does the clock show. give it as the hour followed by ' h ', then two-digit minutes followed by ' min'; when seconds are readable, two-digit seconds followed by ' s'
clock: 8 h 23 min
